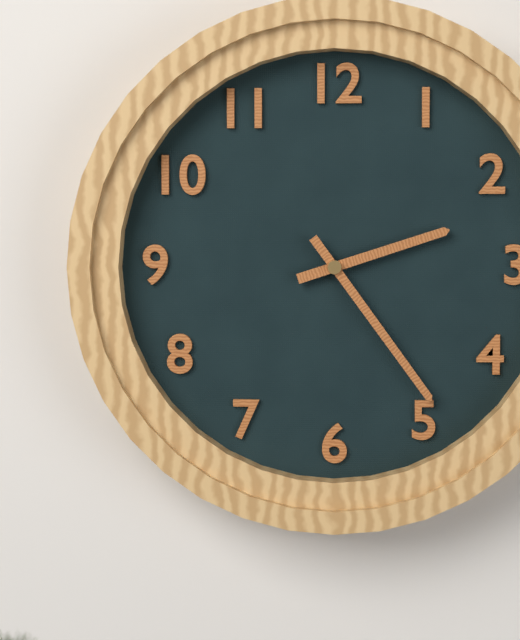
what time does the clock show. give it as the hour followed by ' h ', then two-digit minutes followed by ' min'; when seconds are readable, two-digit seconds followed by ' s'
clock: 2 h 24 min
